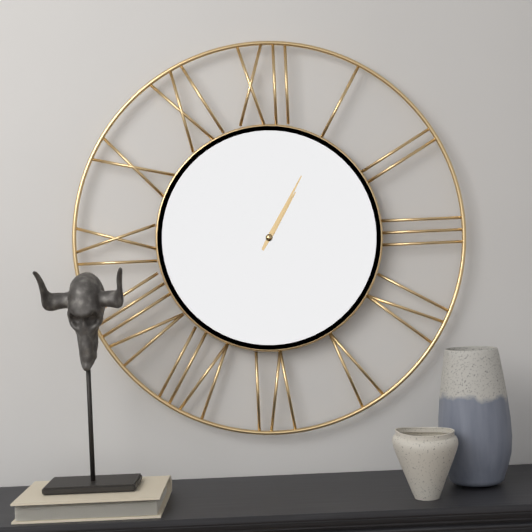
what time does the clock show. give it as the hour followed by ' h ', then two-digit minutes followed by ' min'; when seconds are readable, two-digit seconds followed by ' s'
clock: 1 h 05 min
